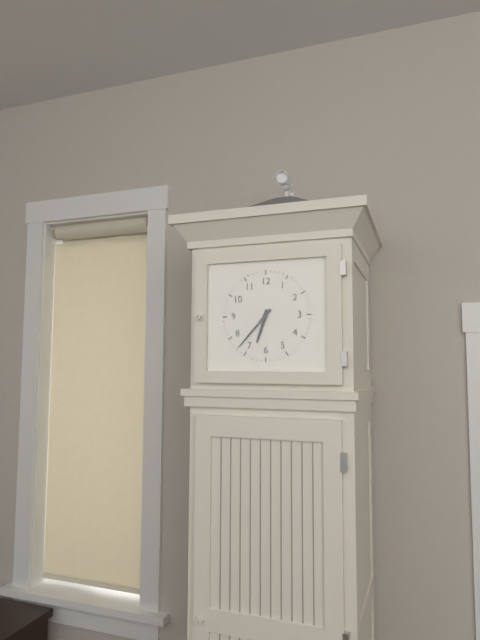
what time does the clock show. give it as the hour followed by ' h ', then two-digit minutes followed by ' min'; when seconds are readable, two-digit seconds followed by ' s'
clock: 6 h 37 min
